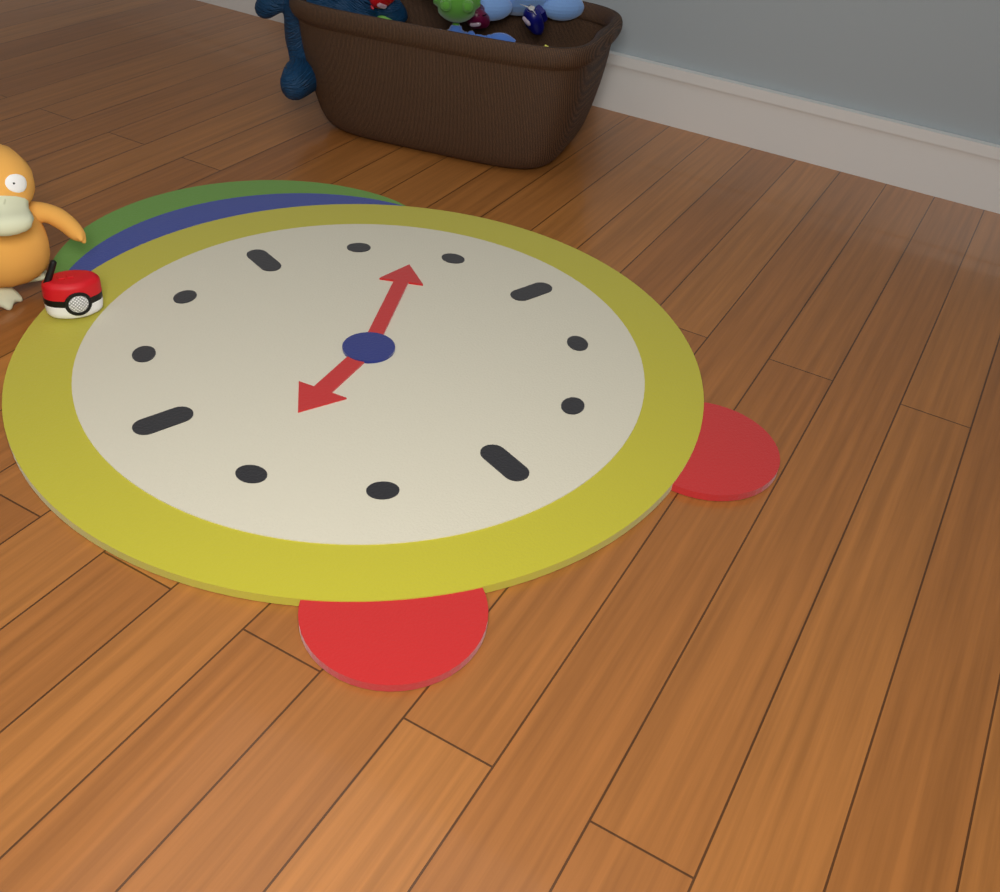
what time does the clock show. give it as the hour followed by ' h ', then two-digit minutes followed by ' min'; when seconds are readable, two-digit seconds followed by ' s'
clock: 8 h 08 min
